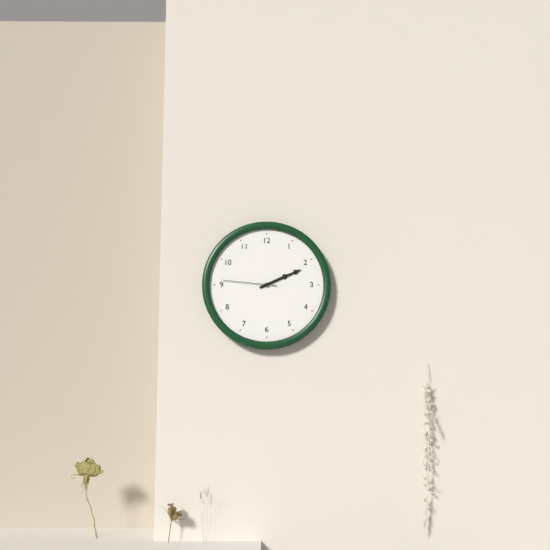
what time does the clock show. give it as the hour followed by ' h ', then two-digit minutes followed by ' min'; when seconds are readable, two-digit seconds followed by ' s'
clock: 2 h 11 min 46 s
